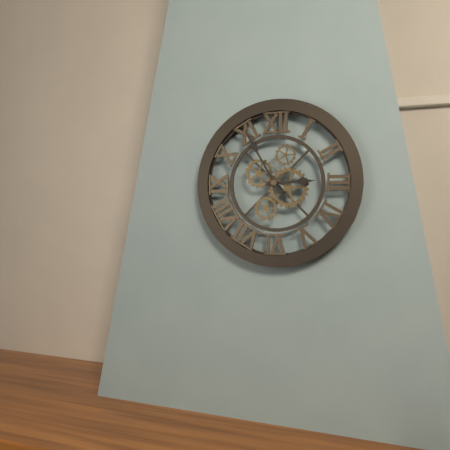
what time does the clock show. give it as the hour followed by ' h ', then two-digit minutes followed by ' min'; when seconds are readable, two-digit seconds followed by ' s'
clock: 2 h 55 min
